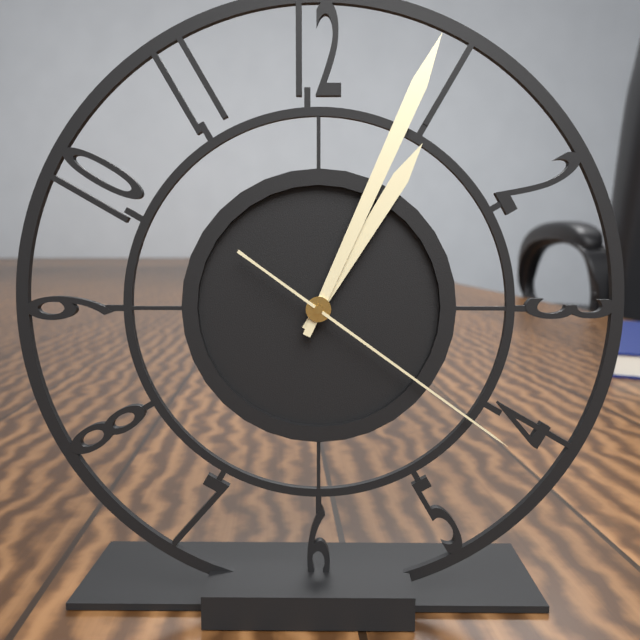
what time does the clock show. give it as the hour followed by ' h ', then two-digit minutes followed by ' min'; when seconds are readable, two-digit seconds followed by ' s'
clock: 1 h 04 min 21 s
